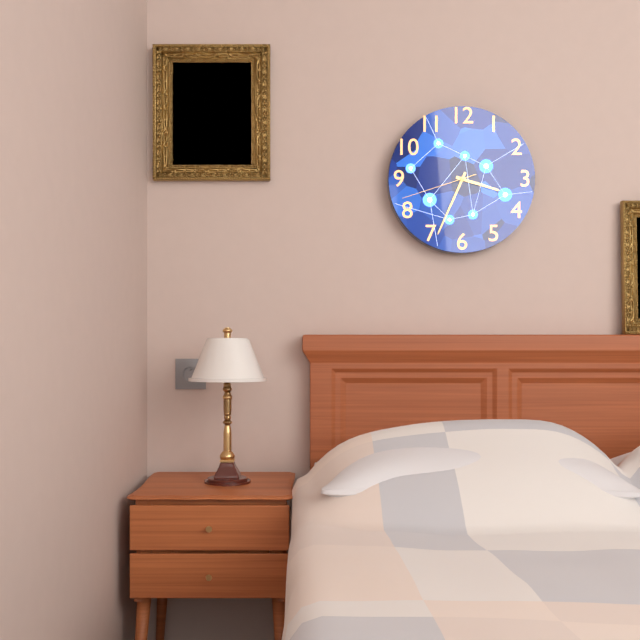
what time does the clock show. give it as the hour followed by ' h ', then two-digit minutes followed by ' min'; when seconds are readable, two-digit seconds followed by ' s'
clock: 3 h 34 min 42 s
